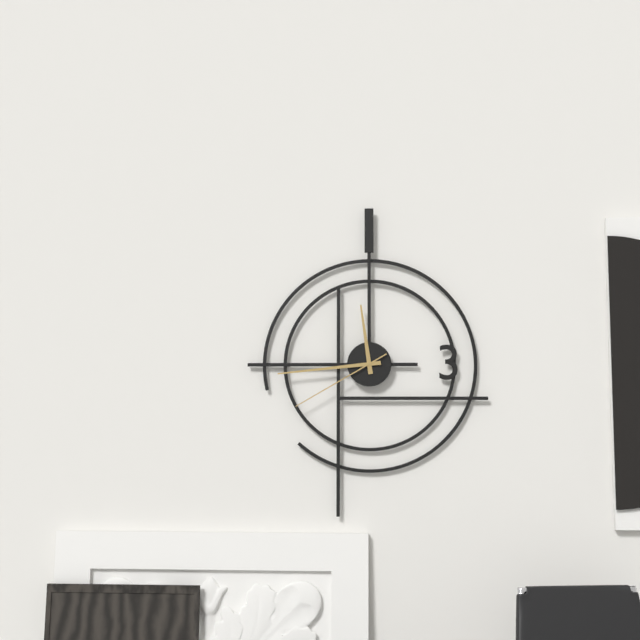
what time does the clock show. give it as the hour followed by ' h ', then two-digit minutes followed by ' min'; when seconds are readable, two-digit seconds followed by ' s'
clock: 11 h 44 min 40 s
